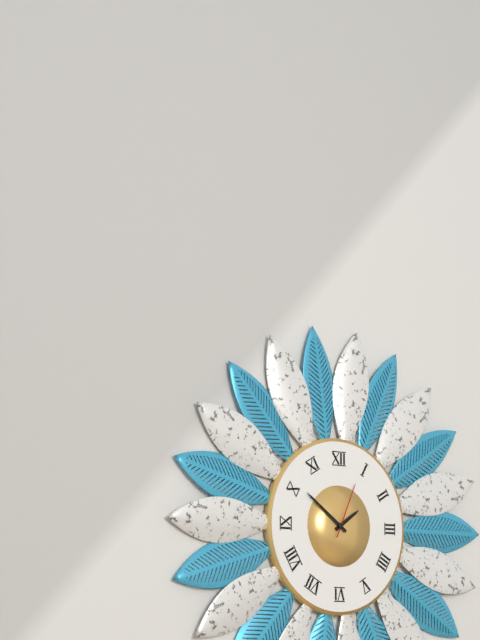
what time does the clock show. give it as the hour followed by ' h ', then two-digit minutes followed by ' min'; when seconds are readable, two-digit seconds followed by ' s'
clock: 1 h 51 min 04 s
